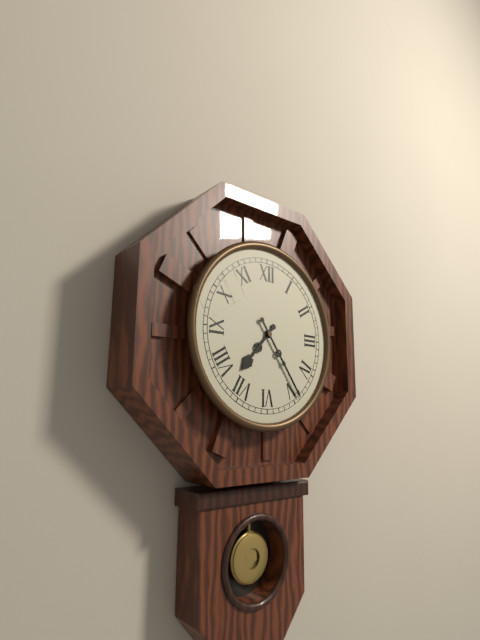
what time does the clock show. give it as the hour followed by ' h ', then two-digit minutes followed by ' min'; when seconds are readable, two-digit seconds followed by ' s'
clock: 7 h 24 min
